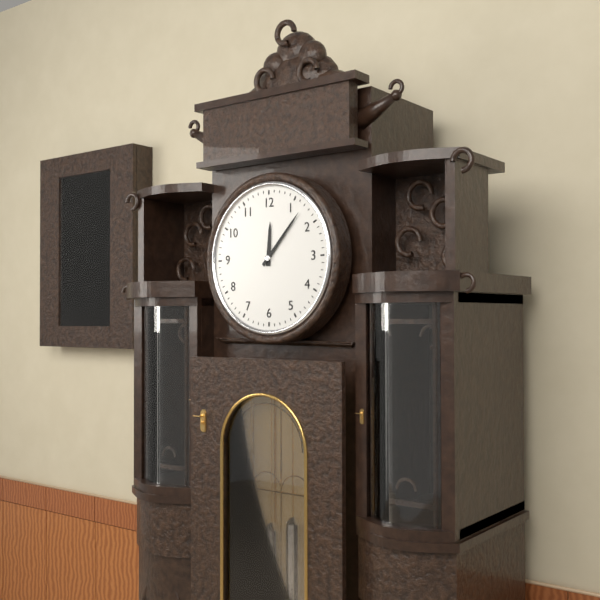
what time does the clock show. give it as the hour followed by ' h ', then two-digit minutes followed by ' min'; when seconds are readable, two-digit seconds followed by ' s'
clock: 12 h 07 min
